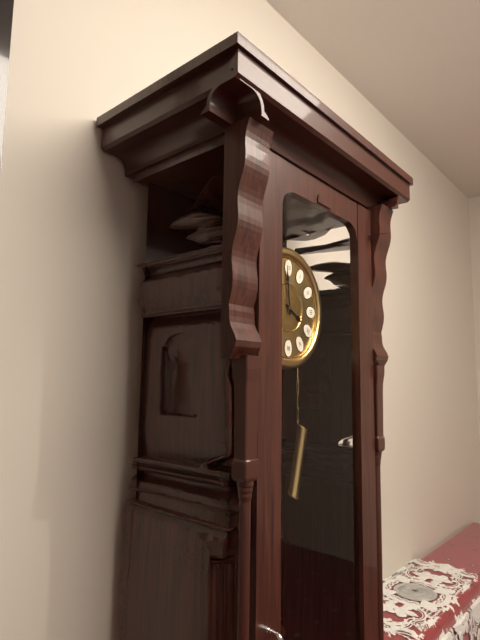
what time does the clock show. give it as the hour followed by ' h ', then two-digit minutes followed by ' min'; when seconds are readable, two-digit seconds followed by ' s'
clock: 3 h 59 min
